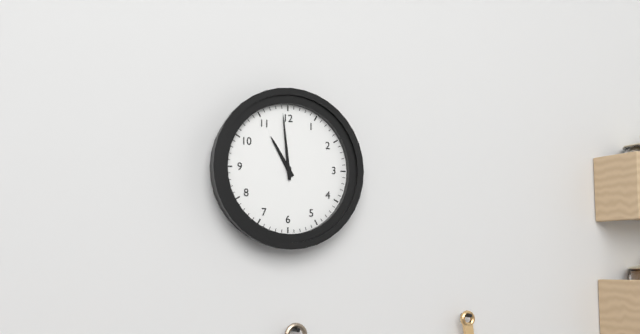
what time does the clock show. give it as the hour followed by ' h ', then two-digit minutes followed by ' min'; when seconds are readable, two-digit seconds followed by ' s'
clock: 10 h 59 min
